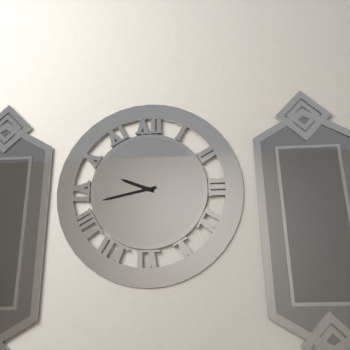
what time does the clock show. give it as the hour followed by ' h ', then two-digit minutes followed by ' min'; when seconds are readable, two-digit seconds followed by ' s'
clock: 9 h 43 min
